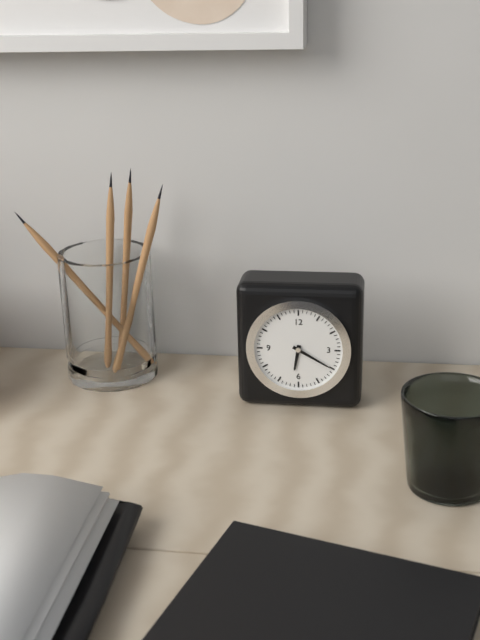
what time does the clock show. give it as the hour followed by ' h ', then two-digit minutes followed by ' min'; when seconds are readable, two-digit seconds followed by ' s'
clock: 6 h 20 min
